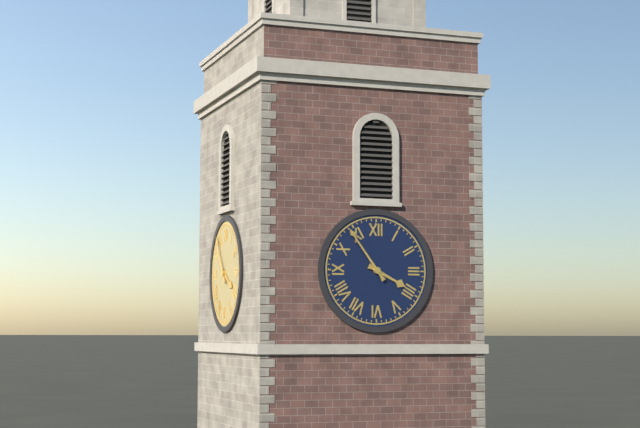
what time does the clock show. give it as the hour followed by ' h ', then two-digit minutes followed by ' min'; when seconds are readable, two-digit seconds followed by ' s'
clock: 3 h 54 min
